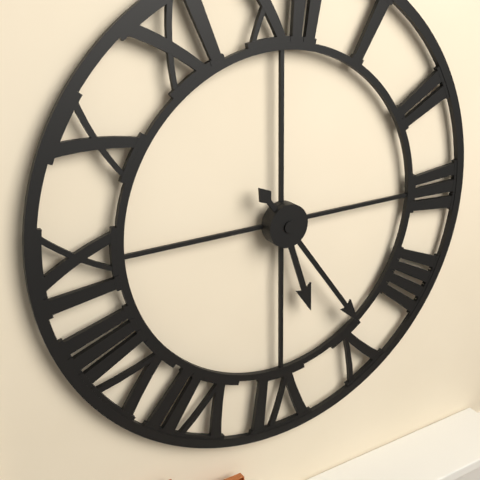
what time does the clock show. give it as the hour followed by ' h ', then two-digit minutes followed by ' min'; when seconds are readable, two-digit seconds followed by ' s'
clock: 5 h 24 min
